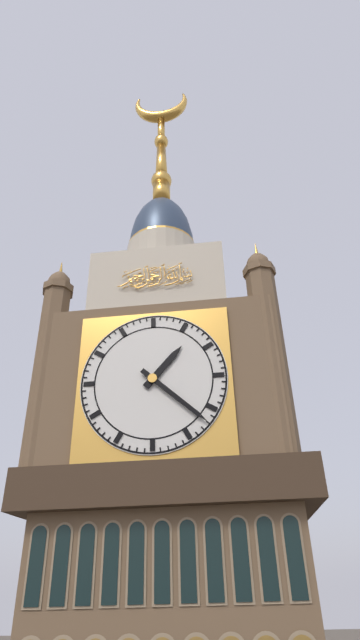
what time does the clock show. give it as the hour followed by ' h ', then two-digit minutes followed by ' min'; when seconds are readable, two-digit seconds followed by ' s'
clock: 1 h 22 min
